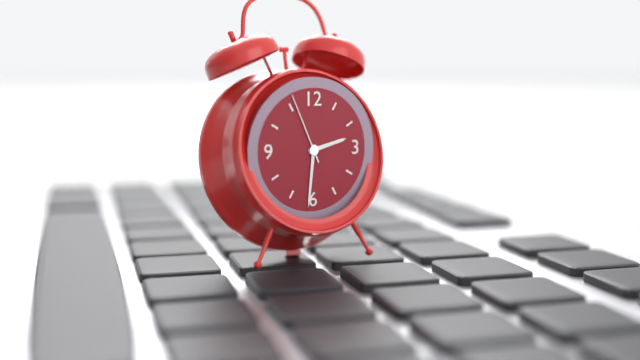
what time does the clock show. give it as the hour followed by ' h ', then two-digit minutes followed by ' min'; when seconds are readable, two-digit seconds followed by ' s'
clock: 2 h 31 min 56 s
